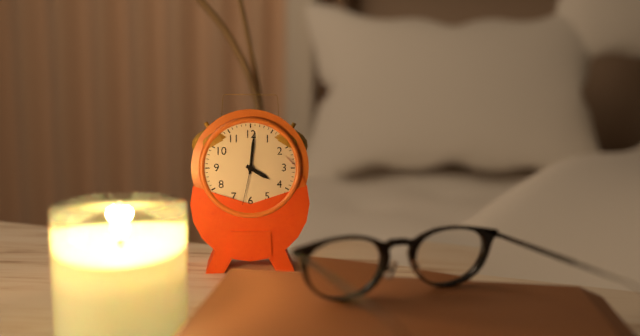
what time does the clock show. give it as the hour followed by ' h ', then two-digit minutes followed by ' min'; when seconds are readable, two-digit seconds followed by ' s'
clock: 4 h 01 min
